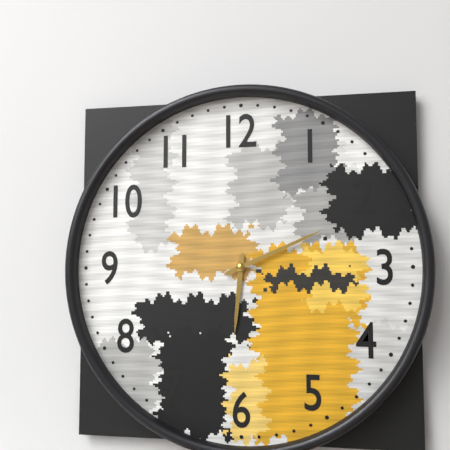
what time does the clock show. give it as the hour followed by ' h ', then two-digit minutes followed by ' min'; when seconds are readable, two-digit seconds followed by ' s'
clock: 6 h 11 min
